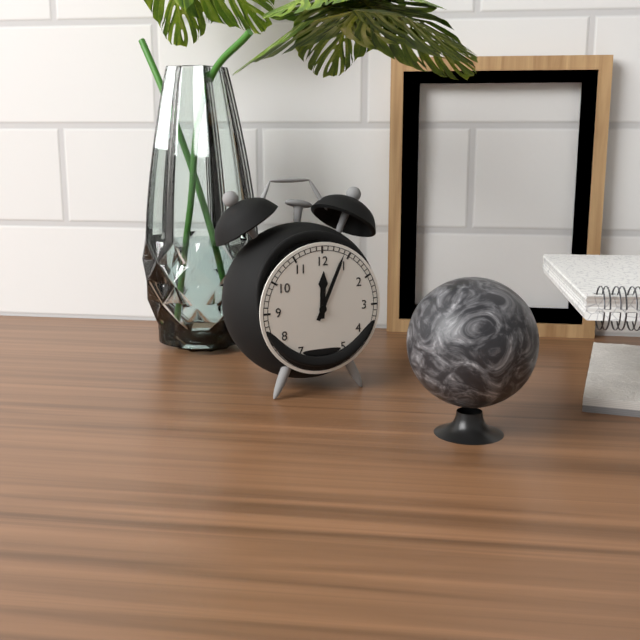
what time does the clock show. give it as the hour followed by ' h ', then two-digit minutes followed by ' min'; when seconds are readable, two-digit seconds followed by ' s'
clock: 12 h 04 min
